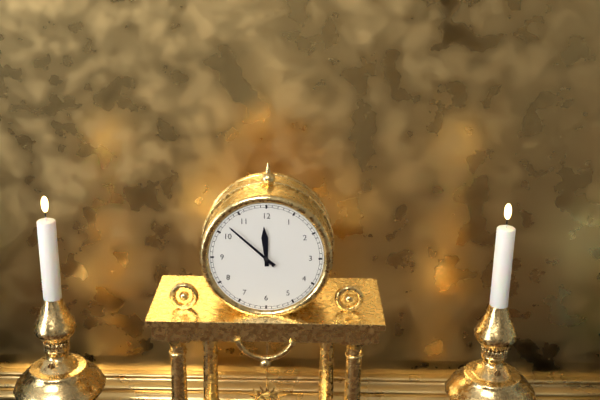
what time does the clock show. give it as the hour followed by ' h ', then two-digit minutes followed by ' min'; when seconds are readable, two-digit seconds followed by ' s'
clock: 11 h 52 min
